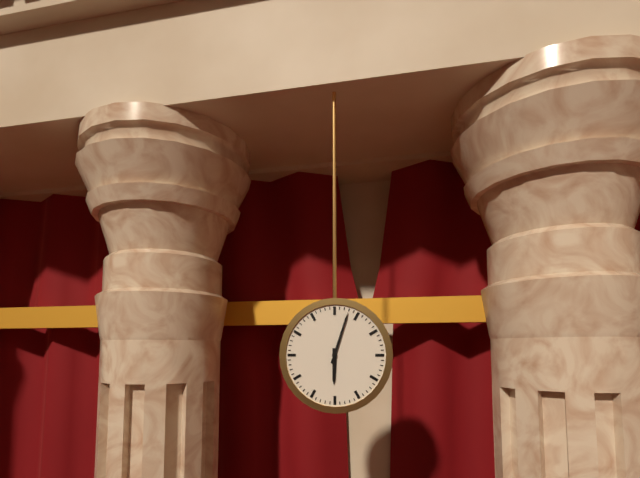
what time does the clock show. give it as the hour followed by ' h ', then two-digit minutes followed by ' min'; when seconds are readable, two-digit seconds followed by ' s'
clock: 6 h 03 min
